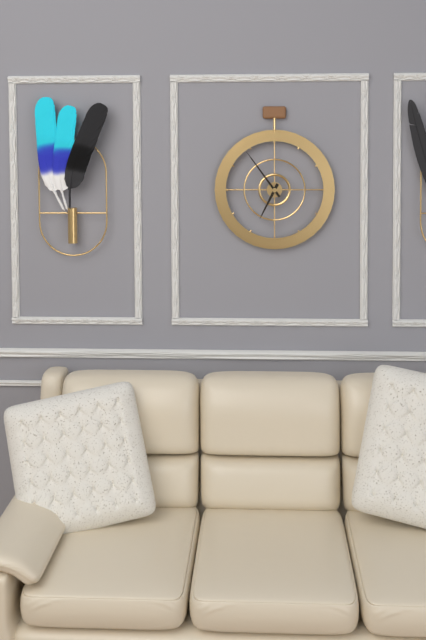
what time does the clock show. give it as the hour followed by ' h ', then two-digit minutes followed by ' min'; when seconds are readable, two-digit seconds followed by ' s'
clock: 6 h 54 min
